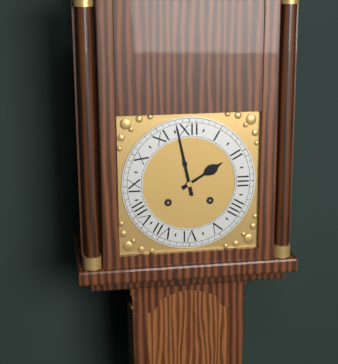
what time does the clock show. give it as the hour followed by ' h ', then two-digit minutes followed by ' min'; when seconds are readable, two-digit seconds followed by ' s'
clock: 1 h 58 min
